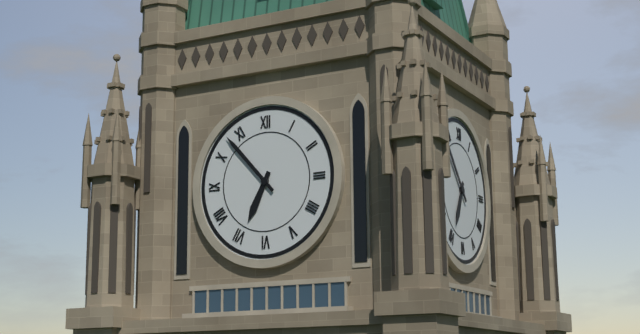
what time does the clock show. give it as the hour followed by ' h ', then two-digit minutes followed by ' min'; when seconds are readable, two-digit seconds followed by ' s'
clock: 6 h 53 min
